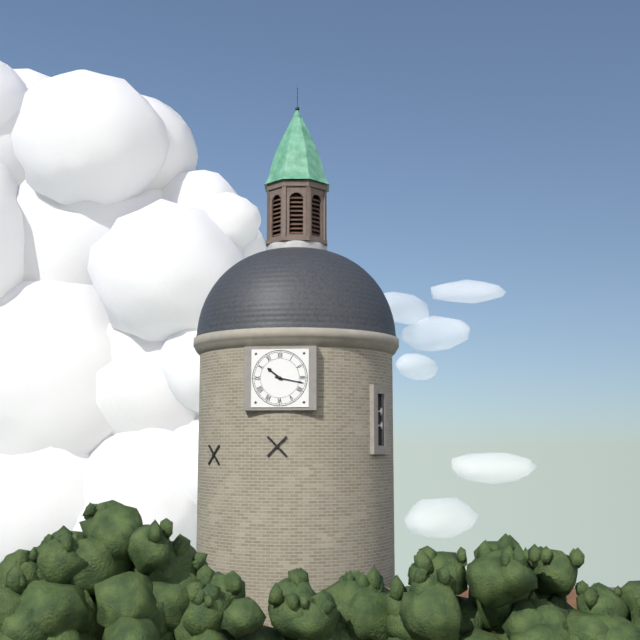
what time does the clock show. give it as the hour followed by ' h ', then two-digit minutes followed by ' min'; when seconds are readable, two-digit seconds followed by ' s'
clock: 10 h 17 min
